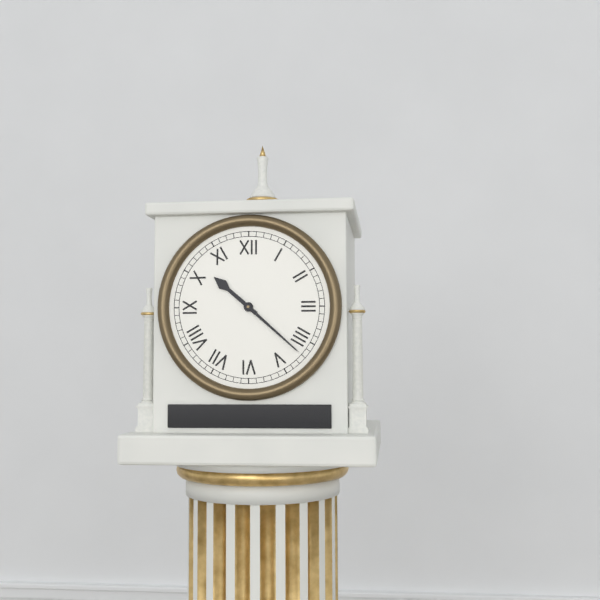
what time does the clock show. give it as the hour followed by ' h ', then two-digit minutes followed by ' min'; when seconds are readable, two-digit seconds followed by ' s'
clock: 10 h 22 min
